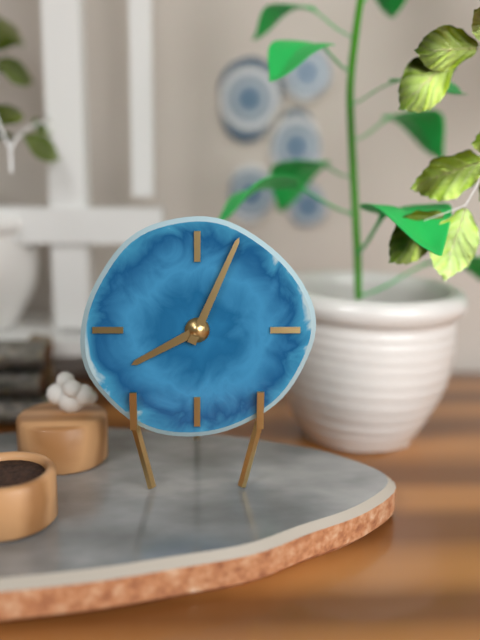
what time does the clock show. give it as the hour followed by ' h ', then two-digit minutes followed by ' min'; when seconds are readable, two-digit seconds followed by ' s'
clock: 8 h 04 min
